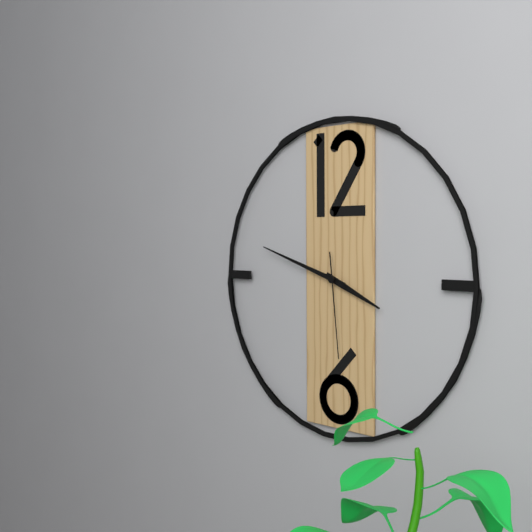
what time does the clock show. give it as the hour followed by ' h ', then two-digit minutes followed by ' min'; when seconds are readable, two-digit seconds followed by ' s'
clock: 3 h 48 min 29 s
